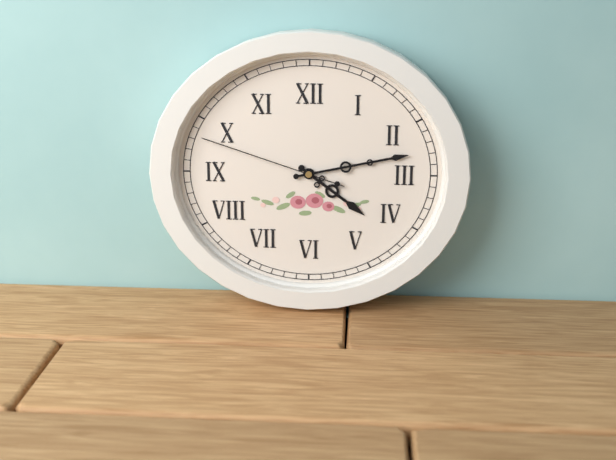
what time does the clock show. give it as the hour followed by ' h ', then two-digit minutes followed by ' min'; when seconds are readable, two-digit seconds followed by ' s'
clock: 4 h 13 min 48 s
